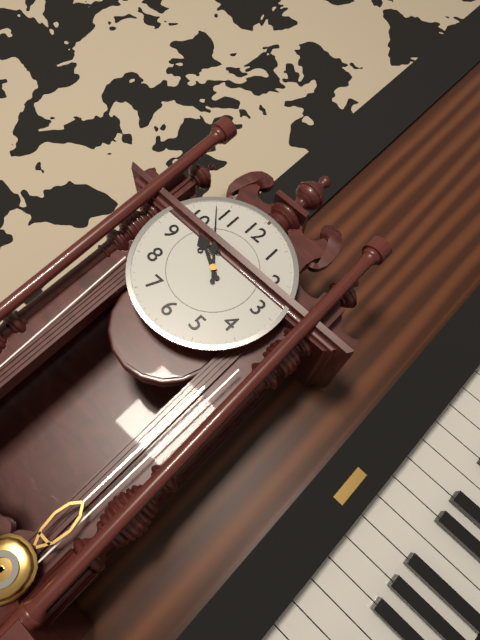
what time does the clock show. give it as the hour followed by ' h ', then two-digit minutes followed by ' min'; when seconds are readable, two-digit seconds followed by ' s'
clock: 9 h 53 min
